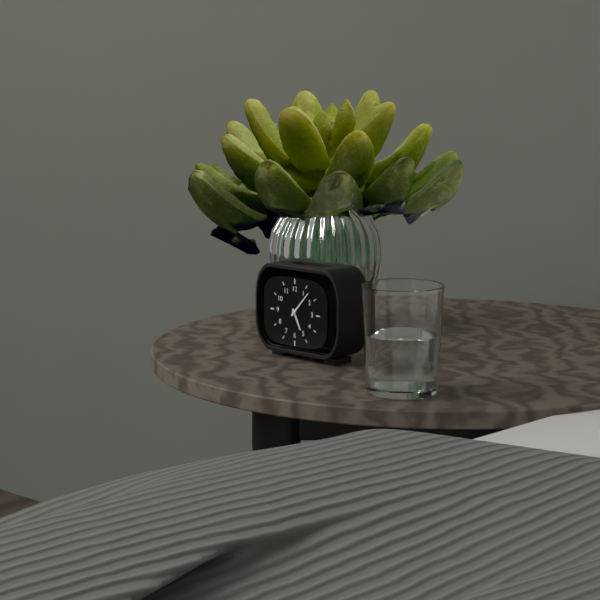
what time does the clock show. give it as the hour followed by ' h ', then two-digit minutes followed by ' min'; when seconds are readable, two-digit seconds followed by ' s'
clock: 5 h 07 min
